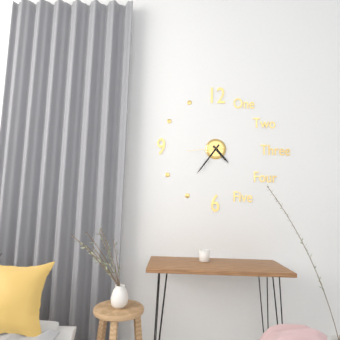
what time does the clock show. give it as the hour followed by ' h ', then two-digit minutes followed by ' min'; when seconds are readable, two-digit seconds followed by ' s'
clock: 4 h 36 min
